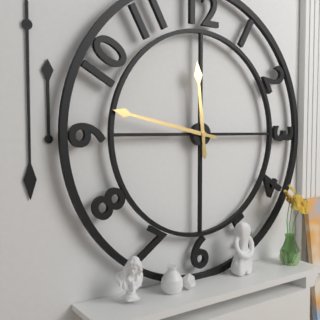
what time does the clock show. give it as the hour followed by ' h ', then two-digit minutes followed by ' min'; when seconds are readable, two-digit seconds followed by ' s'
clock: 11 h 47 min
